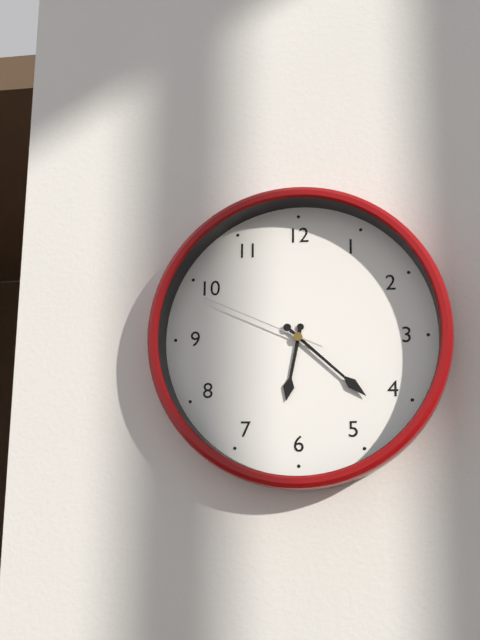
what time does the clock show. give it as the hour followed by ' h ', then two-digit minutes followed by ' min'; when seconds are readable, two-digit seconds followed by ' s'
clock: 6 h 22 min 49 s
